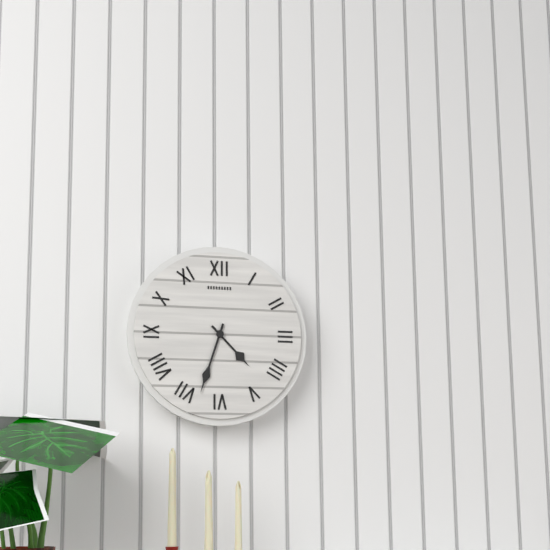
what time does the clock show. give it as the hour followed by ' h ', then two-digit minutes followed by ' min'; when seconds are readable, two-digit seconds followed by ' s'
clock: 4 h 33 min
